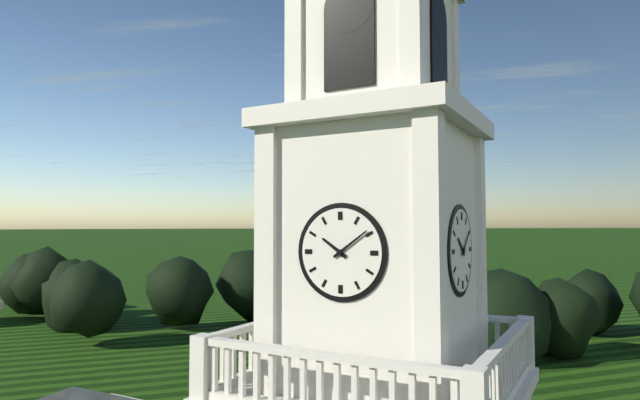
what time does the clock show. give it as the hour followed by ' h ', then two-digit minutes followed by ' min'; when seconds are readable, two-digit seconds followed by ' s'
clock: 10 h 09 min
